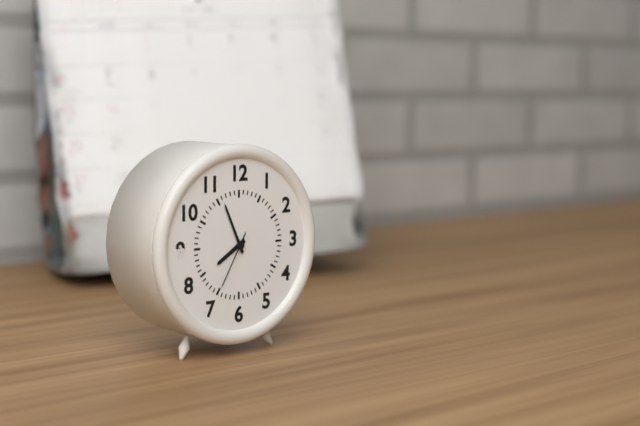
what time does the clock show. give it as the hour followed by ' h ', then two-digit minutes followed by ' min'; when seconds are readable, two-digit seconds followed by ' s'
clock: 7 h 56 min 35 s
